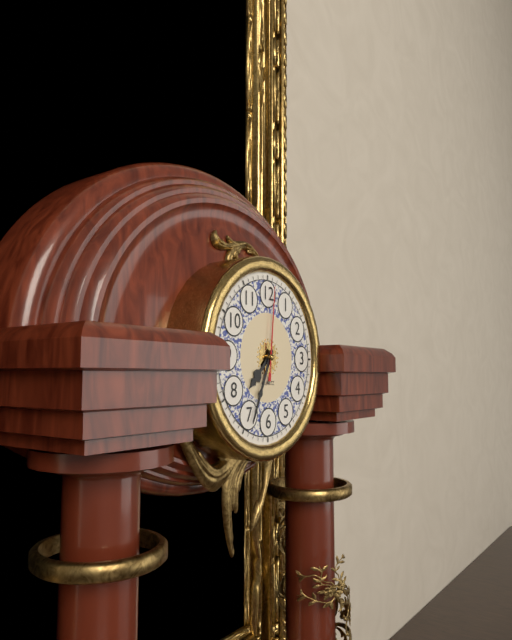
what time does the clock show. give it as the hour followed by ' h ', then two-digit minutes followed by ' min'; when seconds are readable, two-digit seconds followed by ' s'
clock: 7 h 34 min 01 s
